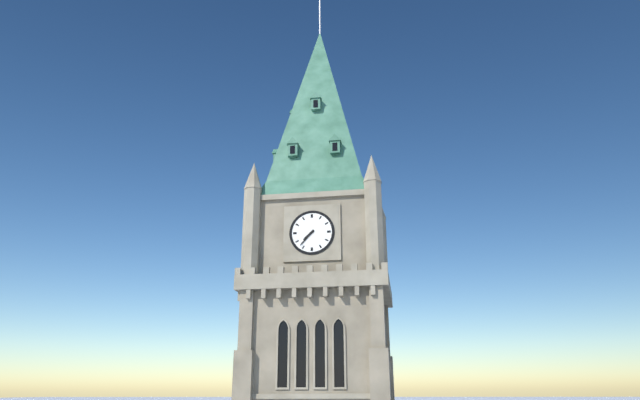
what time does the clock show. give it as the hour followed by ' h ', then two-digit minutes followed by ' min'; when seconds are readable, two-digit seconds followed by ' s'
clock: 7 h 37 min
